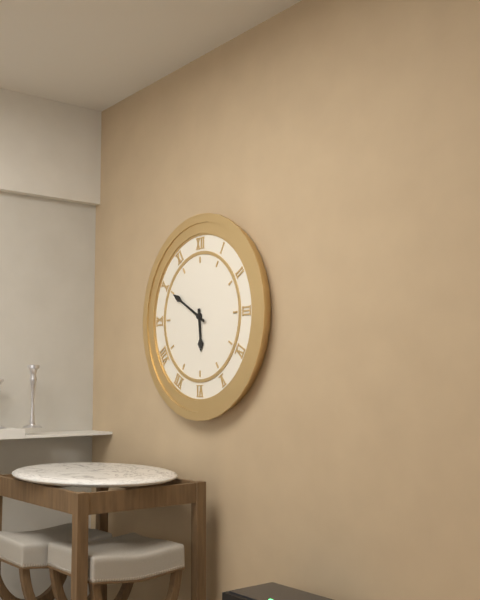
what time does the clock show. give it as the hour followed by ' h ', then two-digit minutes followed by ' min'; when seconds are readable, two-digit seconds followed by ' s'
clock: 5 h 50 min
